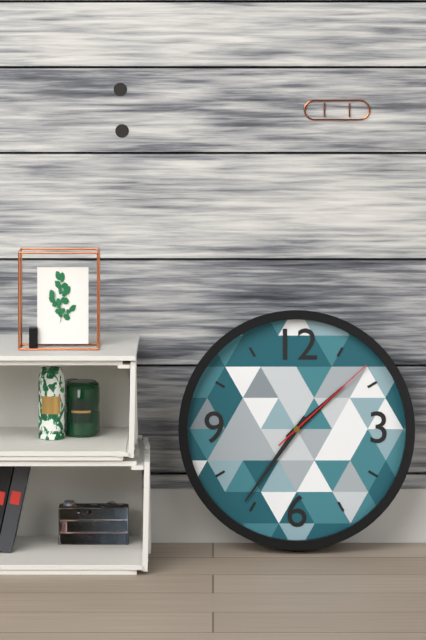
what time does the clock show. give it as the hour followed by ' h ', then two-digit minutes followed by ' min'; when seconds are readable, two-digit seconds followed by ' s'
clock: 1 h 36 min 08 s
